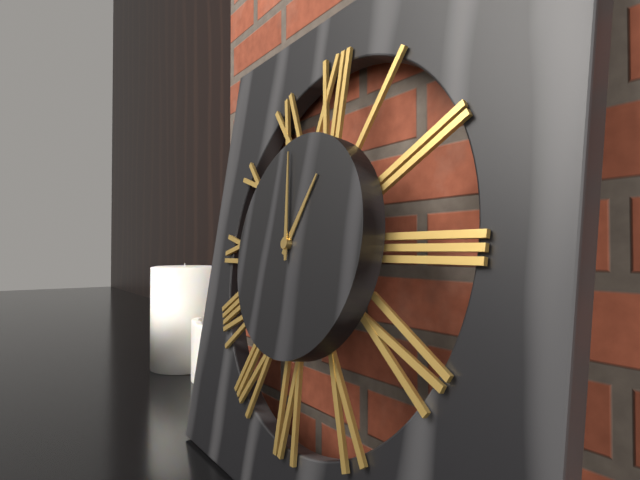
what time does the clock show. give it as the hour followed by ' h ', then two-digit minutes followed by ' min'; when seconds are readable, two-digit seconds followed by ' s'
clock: 12 h 58 min
